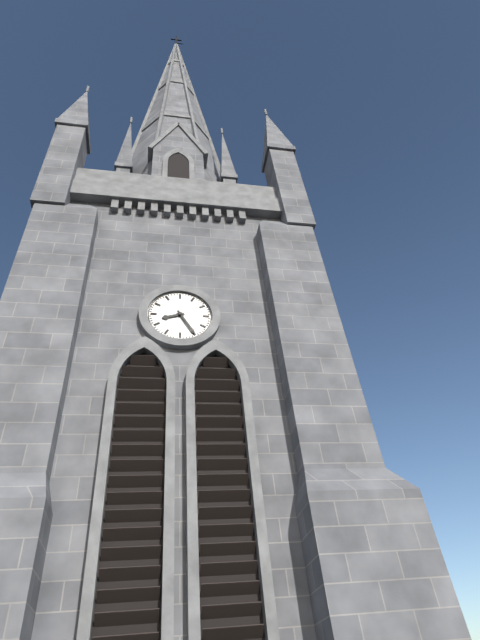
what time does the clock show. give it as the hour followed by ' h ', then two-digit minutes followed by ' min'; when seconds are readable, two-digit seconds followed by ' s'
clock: 8 h 25 min
